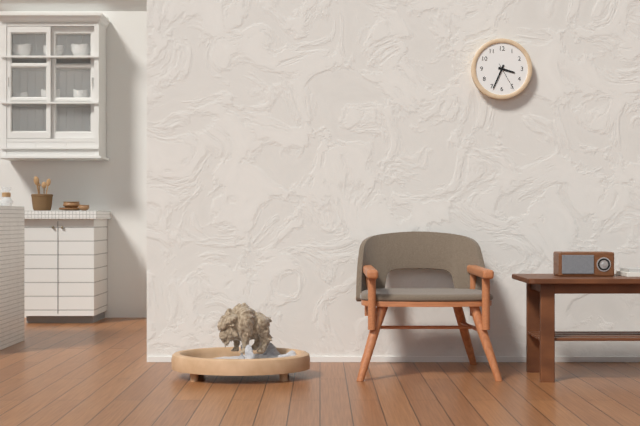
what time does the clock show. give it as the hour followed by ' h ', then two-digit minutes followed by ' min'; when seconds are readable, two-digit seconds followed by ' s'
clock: 3 h 34 min
